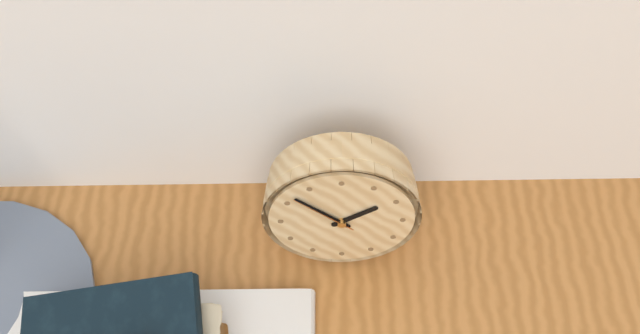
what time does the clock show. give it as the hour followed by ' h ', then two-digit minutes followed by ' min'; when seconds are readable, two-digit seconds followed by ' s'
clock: 1 h 52 min 52 s
